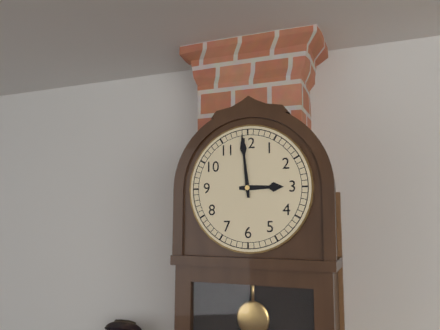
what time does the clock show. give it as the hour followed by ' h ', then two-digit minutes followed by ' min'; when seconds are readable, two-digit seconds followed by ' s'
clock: 2 h 59 min
